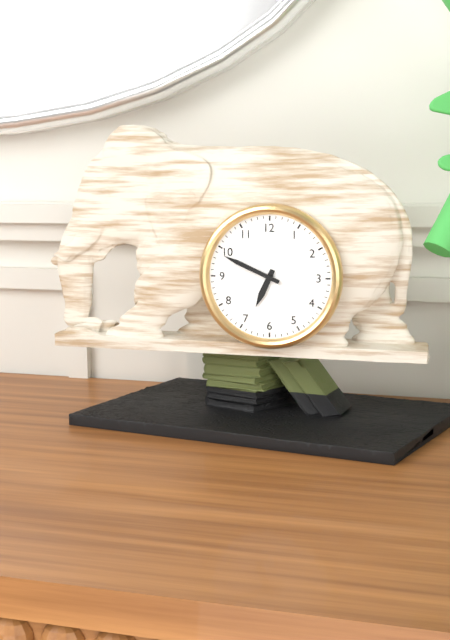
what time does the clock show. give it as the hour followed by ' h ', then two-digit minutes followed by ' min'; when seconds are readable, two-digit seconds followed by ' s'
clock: 6 h 49 min
